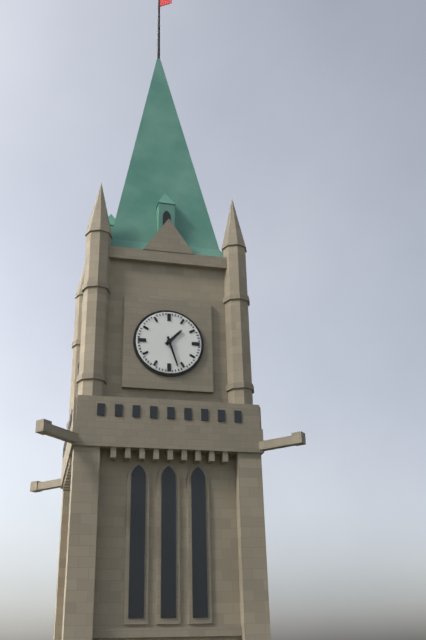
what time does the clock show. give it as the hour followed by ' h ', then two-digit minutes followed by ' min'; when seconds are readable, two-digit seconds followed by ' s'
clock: 1 h 27 min
